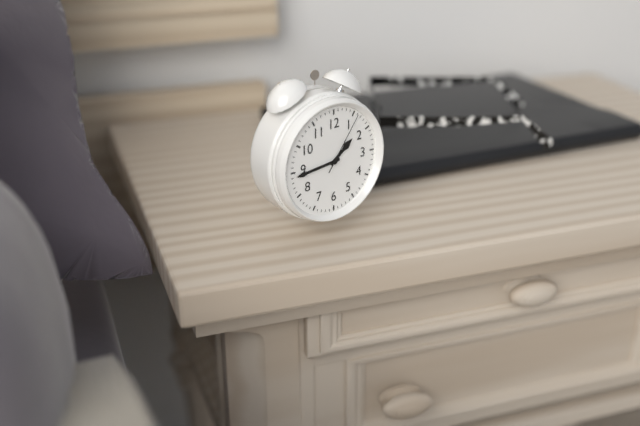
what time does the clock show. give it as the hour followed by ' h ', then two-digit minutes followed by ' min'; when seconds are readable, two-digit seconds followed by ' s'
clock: 1 h 44 min 06 s
